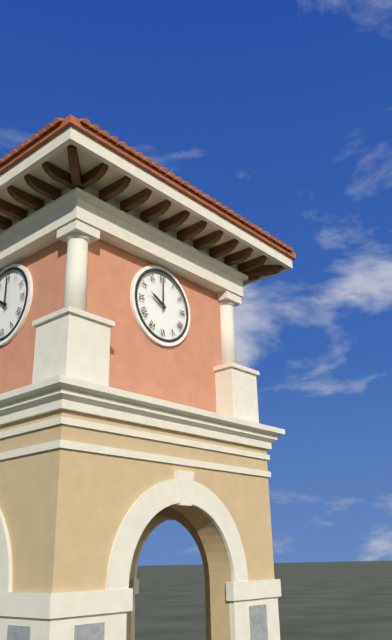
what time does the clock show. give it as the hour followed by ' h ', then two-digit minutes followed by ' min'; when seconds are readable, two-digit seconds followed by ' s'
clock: 10 h 00 min
